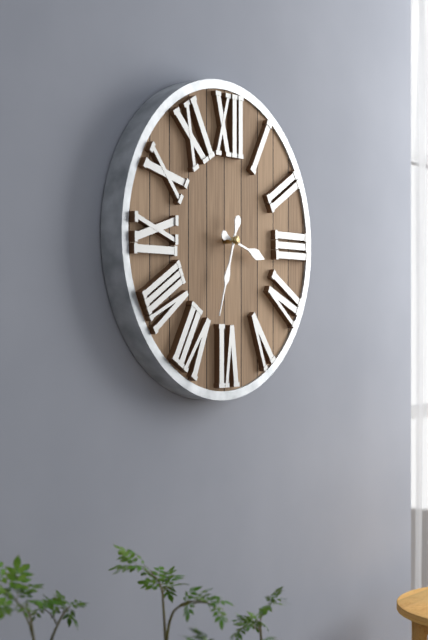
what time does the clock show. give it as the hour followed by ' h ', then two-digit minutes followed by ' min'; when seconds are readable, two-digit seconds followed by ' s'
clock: 3 h 33 min
